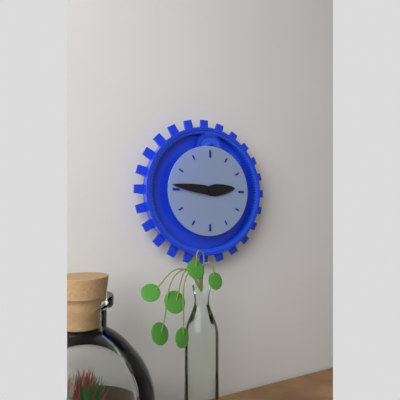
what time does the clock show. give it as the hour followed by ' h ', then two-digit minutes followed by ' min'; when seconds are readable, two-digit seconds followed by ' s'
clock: 2 h 46 min
